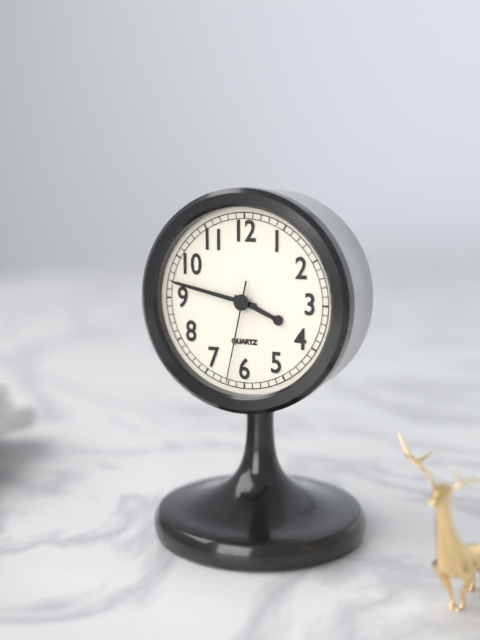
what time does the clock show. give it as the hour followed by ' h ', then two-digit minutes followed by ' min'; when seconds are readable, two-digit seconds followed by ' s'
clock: 3 h 47 min 32 s
